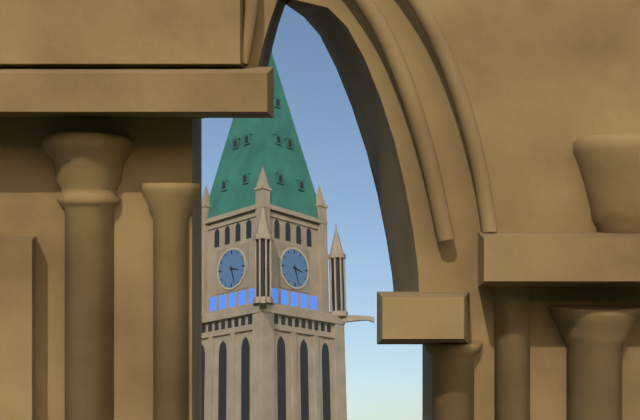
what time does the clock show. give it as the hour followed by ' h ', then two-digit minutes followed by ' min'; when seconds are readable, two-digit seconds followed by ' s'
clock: 3 h 27 min
